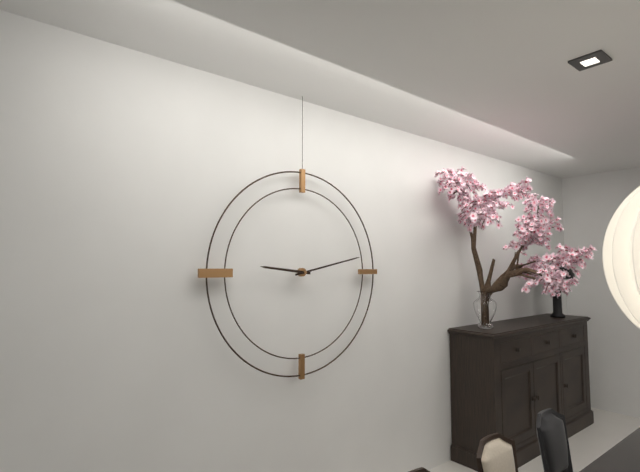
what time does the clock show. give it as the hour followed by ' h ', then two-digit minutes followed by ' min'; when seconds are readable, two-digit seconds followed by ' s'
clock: 9 h 13 min
